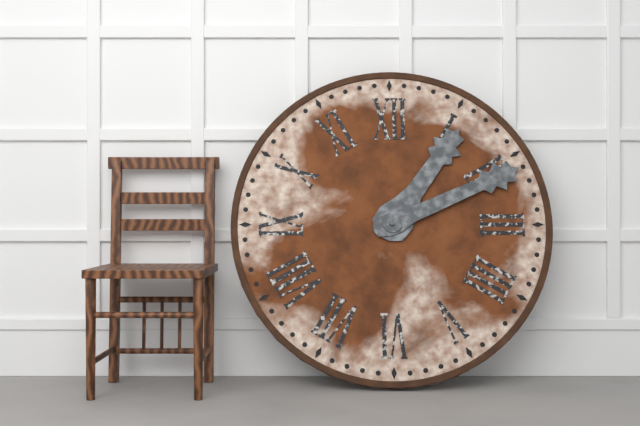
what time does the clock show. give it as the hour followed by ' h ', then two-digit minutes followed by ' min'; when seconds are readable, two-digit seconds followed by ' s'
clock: 1 h 11 min
